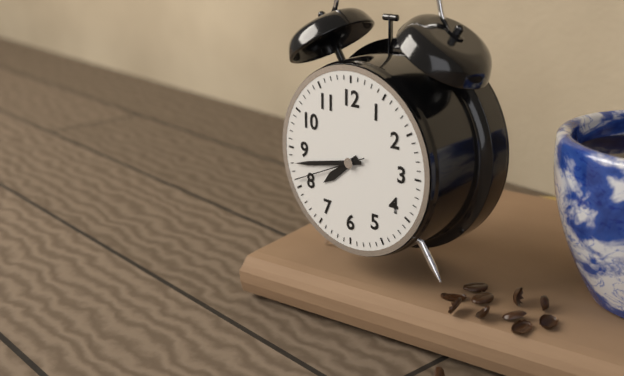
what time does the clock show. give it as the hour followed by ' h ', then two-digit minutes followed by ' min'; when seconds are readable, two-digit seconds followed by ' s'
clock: 7 h 43 min 41 s
